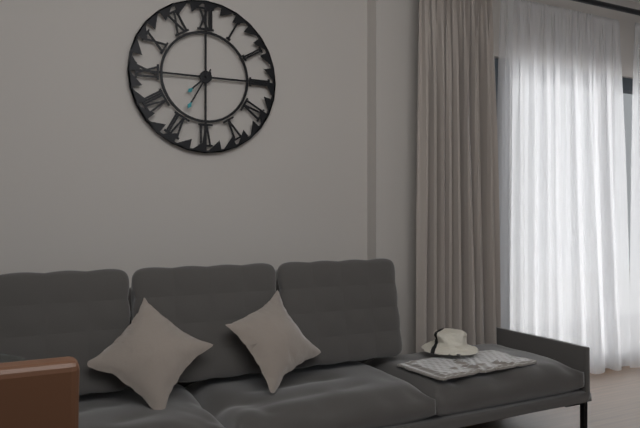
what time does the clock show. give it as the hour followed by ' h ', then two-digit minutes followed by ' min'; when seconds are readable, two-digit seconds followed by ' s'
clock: 7 h 35 min
